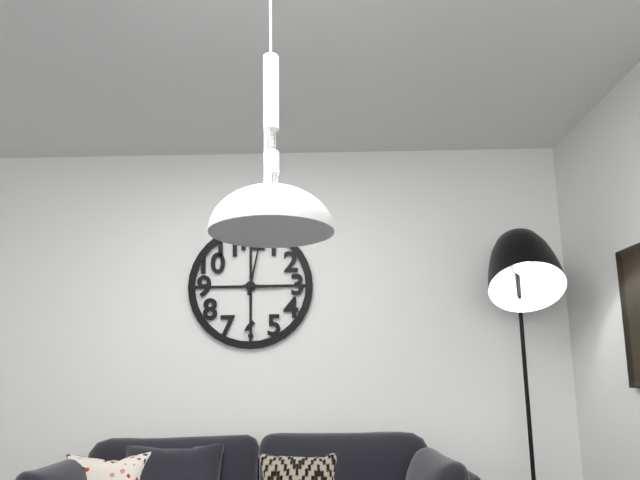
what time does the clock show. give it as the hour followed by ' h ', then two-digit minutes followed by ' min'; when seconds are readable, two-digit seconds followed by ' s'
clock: 3 h 02 min
